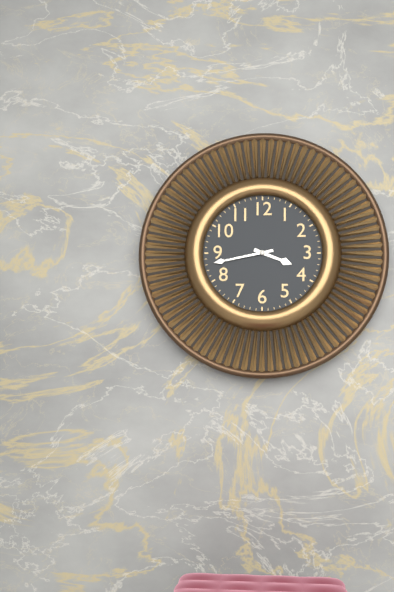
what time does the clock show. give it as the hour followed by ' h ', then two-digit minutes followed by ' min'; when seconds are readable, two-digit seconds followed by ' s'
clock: 3 h 43 min
